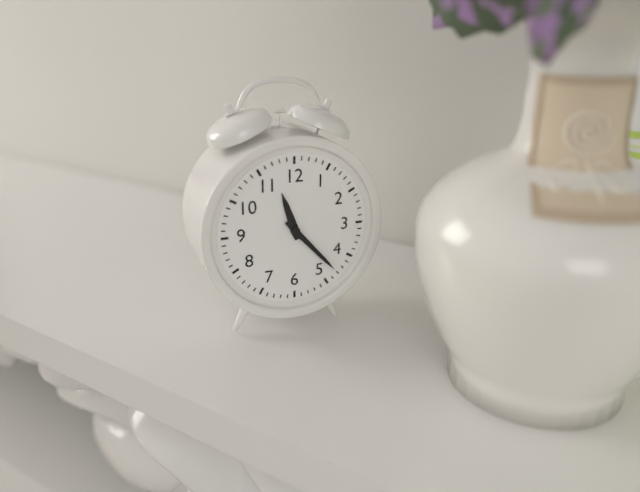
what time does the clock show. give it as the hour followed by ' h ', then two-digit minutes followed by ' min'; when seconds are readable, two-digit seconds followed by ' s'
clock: 11 h 23 min
